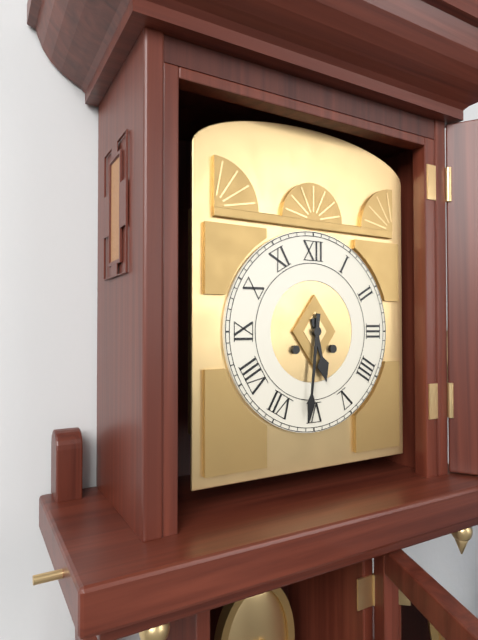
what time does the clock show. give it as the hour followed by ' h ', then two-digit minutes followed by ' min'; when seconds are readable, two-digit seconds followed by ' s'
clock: 5 h 31 min
